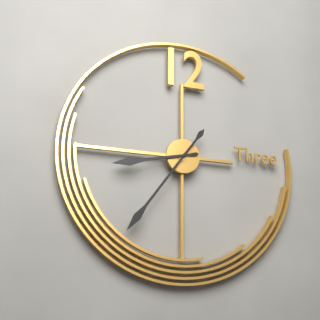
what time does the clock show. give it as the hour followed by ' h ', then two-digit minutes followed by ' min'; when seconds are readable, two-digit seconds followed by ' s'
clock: 8 h 36 min
